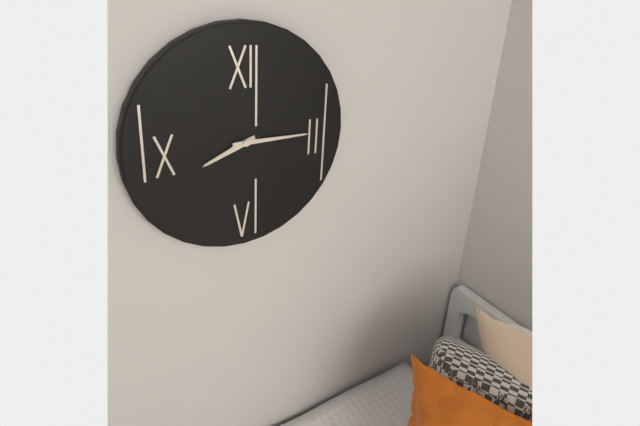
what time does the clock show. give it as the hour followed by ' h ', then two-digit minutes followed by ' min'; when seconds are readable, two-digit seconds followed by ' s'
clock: 8 h 15 min
